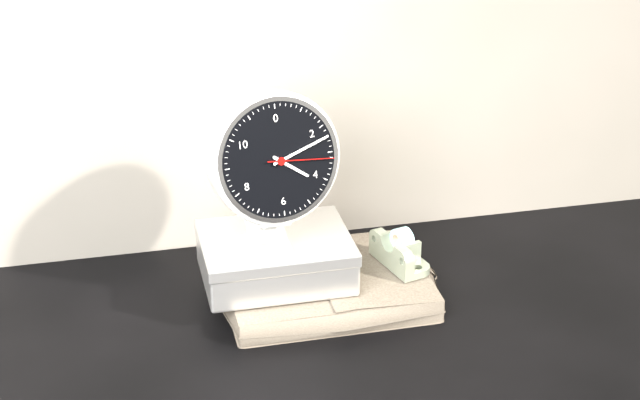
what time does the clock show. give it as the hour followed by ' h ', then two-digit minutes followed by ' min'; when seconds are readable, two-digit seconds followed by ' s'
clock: 4 h 12 min 16 s
